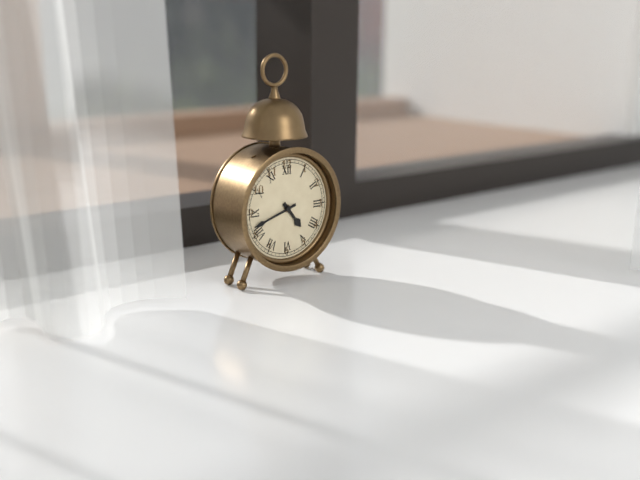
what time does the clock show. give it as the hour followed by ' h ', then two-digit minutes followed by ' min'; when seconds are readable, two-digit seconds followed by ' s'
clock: 4 h 42 min
